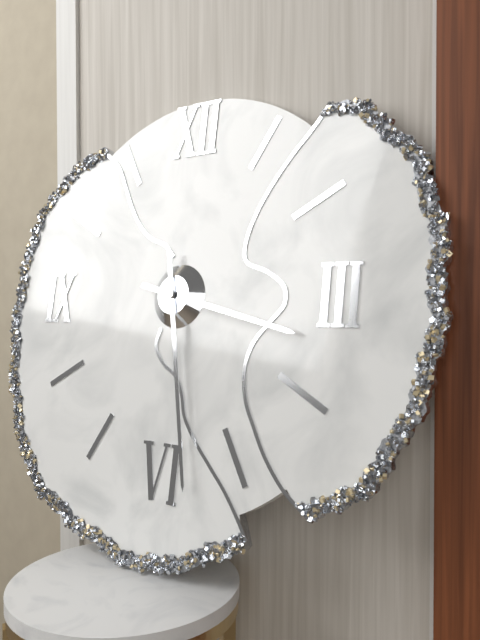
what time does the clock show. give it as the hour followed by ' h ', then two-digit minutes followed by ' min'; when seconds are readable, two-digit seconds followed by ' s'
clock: 3 h 28 min
